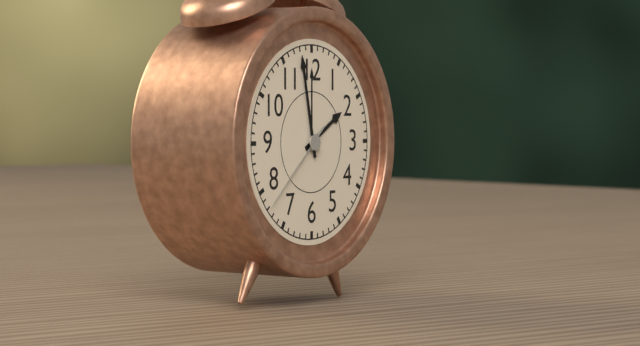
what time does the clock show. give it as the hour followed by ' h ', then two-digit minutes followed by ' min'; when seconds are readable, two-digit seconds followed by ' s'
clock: 1 h 58 min 38 s
